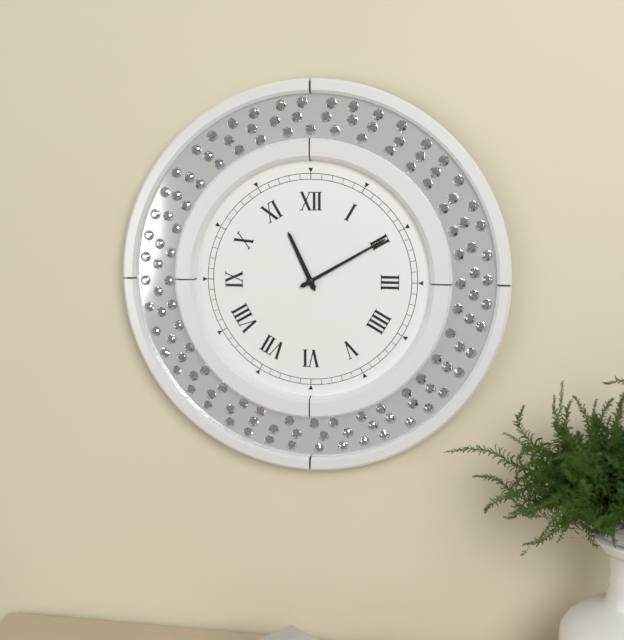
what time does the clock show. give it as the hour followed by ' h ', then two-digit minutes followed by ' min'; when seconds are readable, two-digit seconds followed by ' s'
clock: 11 h 10 min
